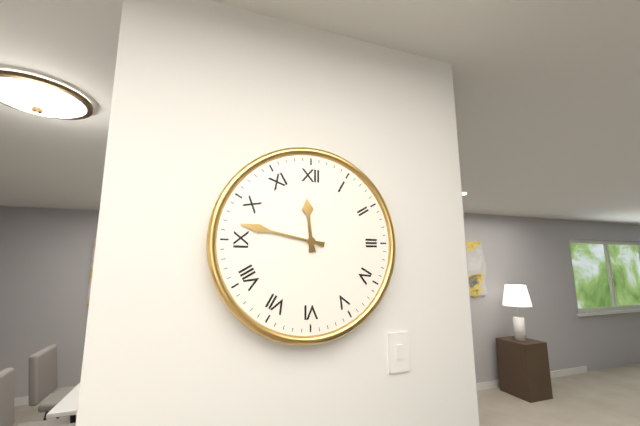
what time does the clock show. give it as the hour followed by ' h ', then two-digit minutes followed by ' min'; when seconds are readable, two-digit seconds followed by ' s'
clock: 11 h 47 min
